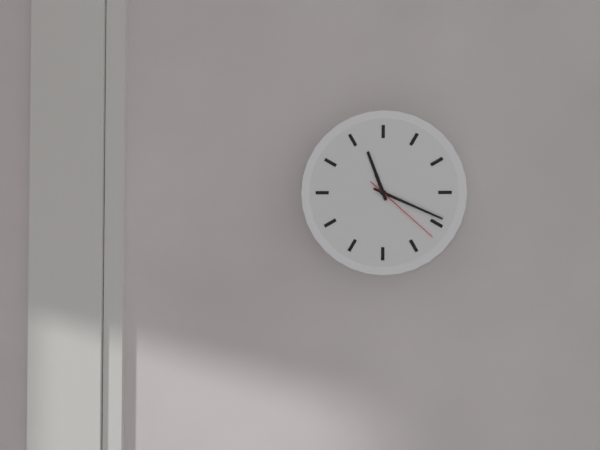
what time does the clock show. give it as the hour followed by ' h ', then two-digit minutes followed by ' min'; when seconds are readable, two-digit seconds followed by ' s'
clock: 11 h 19 min 22 s
